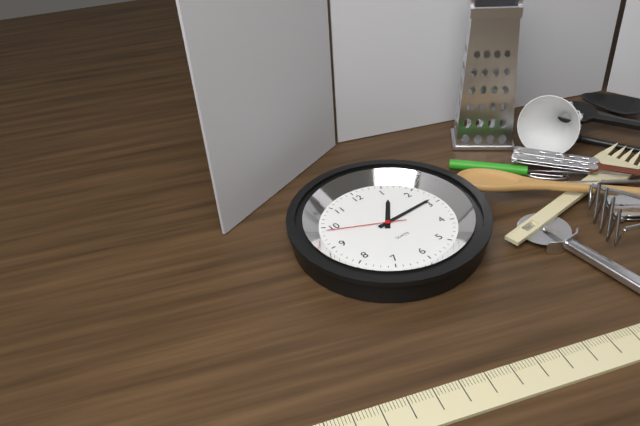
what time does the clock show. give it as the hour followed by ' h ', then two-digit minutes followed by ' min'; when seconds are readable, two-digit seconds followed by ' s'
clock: 1 h 14 min 49 s
